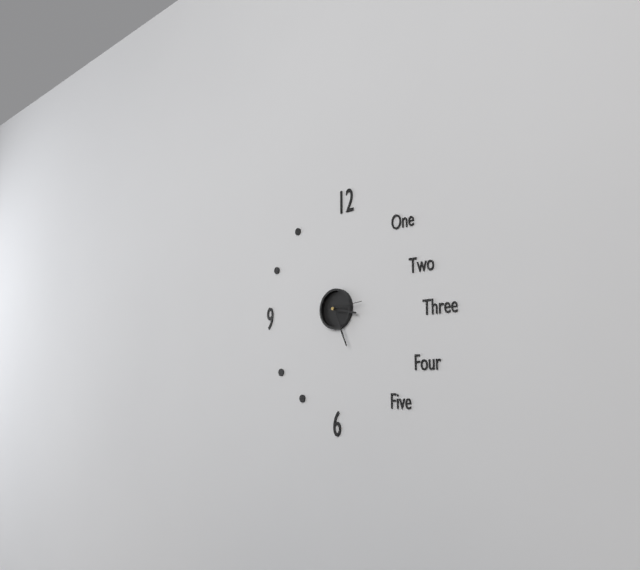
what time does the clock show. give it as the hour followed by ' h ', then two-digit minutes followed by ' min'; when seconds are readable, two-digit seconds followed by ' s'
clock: 3 h 26 min
